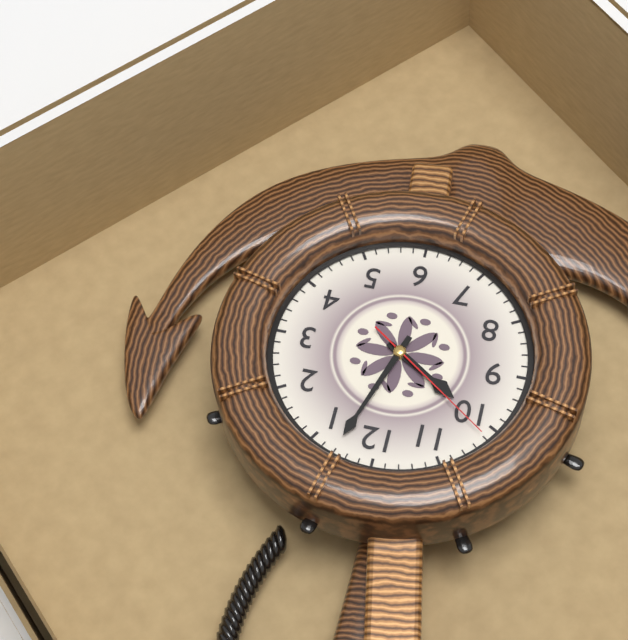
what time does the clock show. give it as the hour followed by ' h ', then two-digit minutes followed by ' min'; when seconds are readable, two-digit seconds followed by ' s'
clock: 10 h 03 min 51 s
